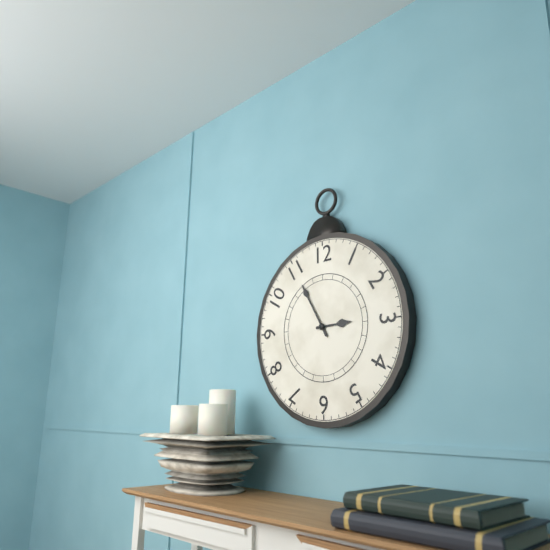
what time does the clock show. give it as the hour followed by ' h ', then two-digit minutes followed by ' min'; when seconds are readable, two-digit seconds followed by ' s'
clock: 2 h 55 min
